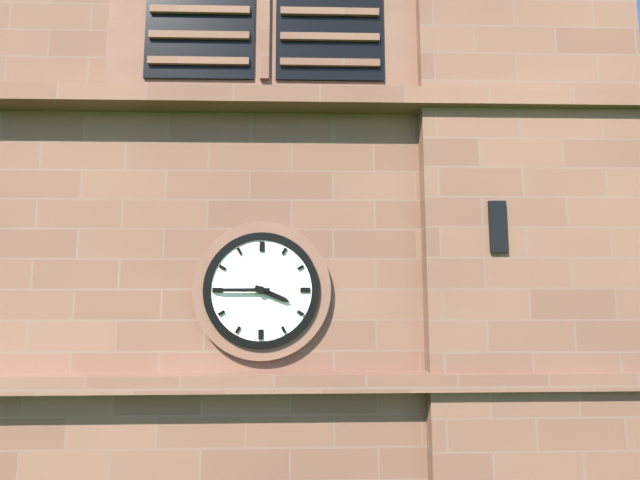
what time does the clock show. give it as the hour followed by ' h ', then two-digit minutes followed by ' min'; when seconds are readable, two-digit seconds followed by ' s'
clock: 3 h 45 min
